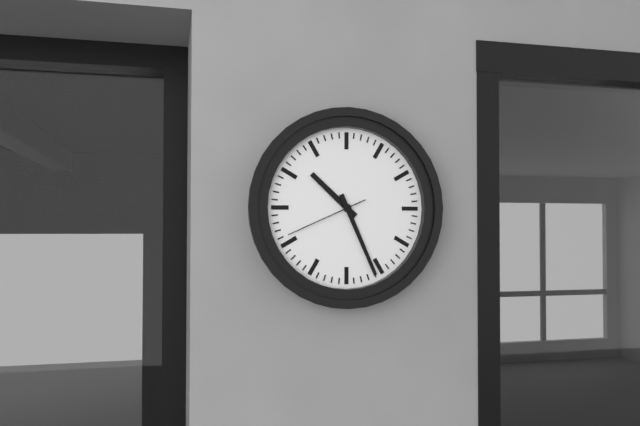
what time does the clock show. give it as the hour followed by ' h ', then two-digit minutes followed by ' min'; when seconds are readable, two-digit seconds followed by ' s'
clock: 10 h 26 min 41 s
